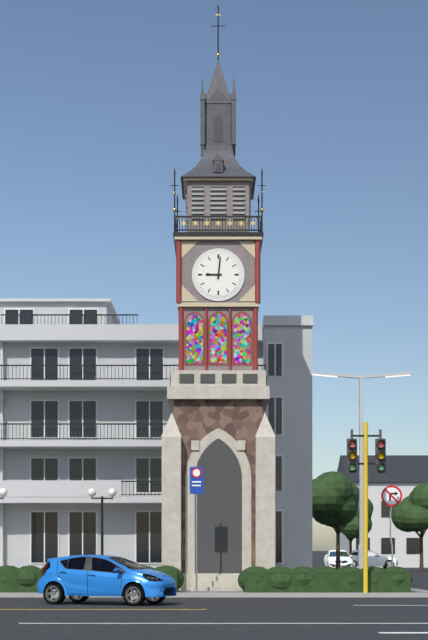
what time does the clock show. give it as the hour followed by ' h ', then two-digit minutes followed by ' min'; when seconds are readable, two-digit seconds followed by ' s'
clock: 9 h 01 min
